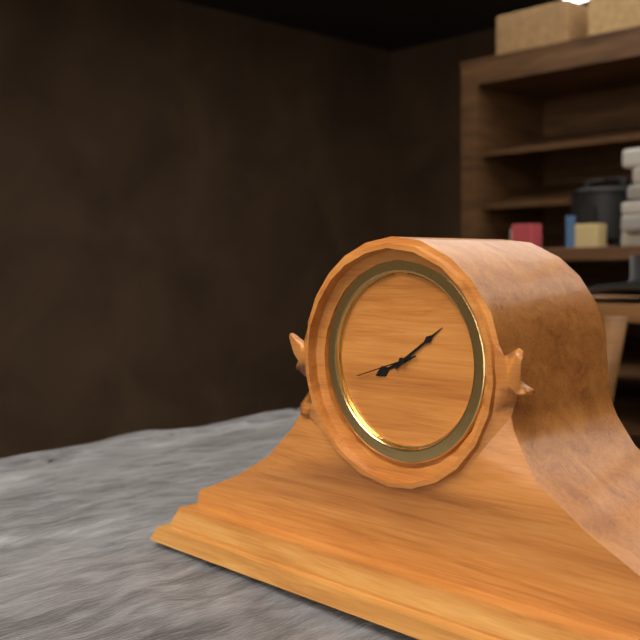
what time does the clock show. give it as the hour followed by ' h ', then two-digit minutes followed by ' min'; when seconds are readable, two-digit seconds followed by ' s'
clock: 8 h 09 min 42 s
